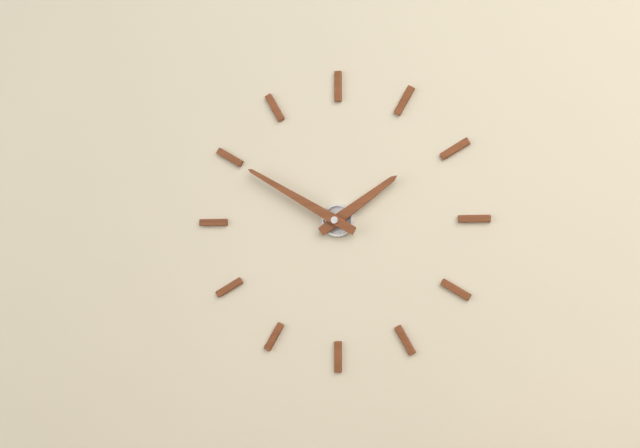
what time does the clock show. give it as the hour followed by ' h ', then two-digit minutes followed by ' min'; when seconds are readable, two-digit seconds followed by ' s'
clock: 1 h 50 min
